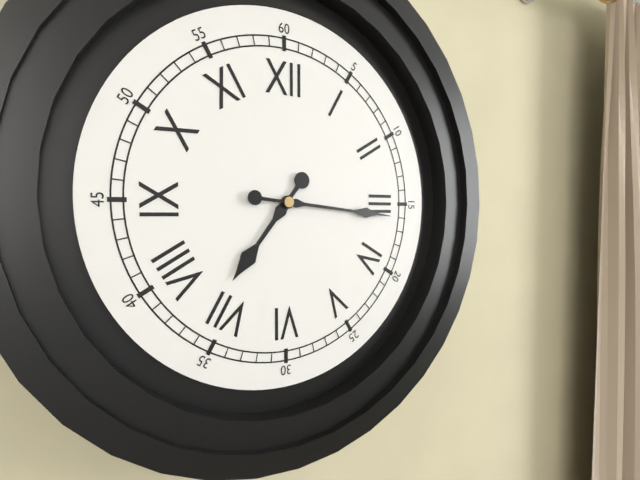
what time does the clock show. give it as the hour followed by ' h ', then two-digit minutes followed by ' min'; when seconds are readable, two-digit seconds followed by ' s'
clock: 7 h 16 min
